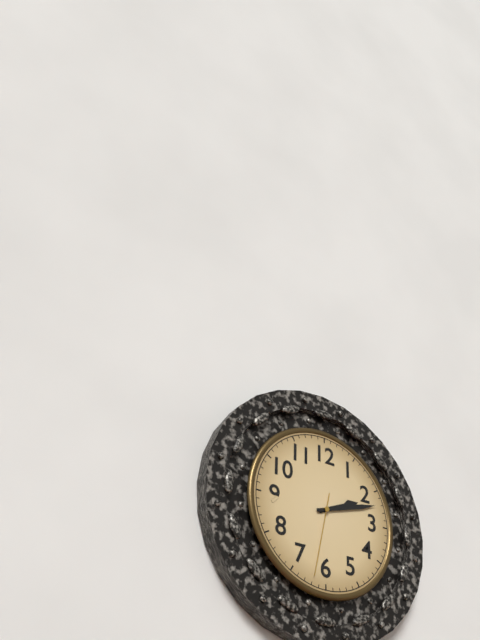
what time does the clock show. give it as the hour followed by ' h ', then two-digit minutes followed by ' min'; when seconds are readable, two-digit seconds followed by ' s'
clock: 2 h 12 min 32 s
